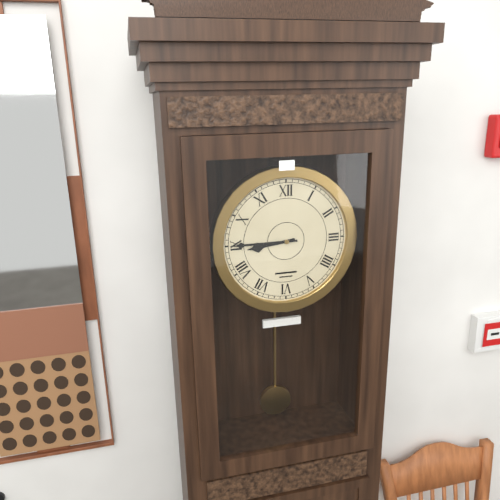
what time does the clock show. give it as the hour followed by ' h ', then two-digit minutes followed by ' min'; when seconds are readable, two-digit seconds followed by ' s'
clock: 8 h 45 min
